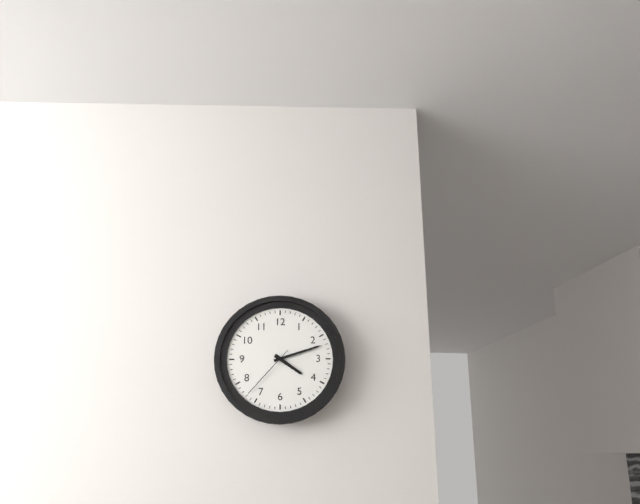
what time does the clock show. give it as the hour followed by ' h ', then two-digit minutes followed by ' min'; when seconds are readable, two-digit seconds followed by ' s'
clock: 4 h 12 min 37 s
